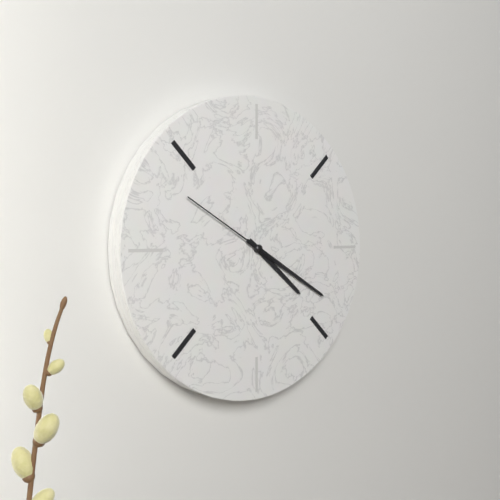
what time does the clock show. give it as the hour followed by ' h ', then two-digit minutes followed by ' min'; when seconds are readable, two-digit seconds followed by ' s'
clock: 4 h 20 min 50 s
